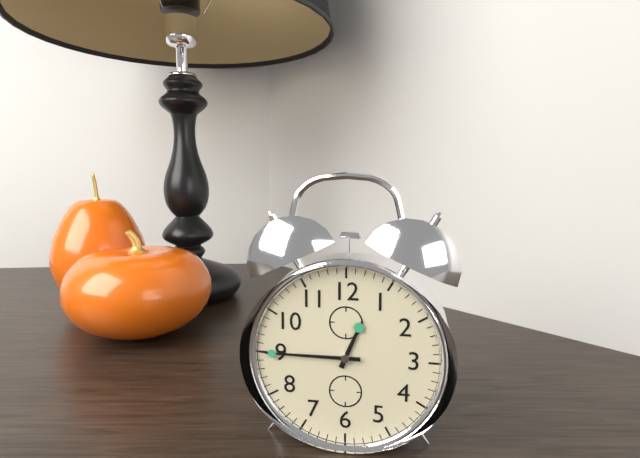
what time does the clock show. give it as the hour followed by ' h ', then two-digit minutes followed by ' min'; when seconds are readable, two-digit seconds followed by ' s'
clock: 12 h 45 min
